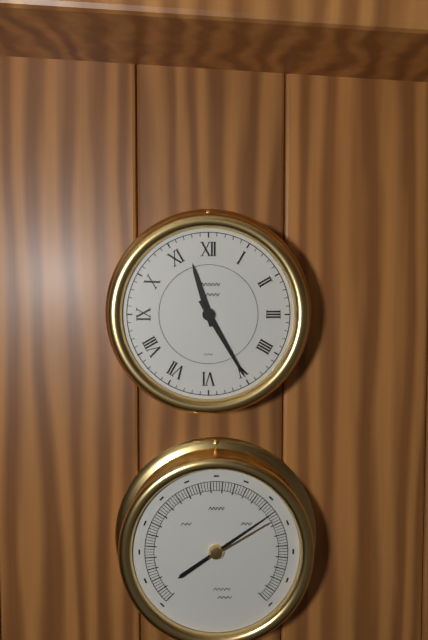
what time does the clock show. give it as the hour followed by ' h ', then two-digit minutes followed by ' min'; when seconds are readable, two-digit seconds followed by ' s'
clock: 11 h 25 min
